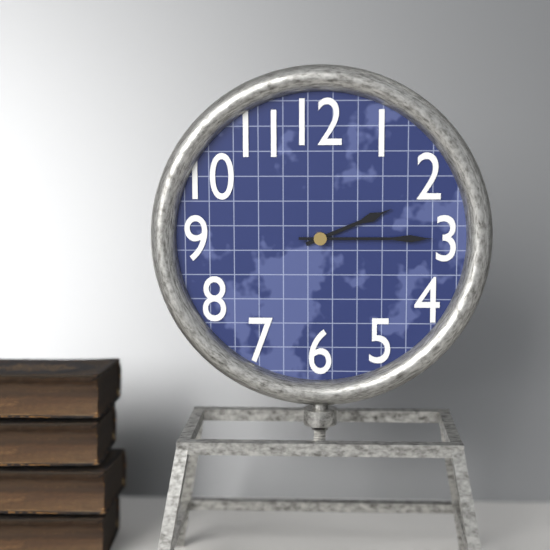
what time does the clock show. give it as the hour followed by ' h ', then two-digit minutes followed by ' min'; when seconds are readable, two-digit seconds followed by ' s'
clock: 2 h 15 min
